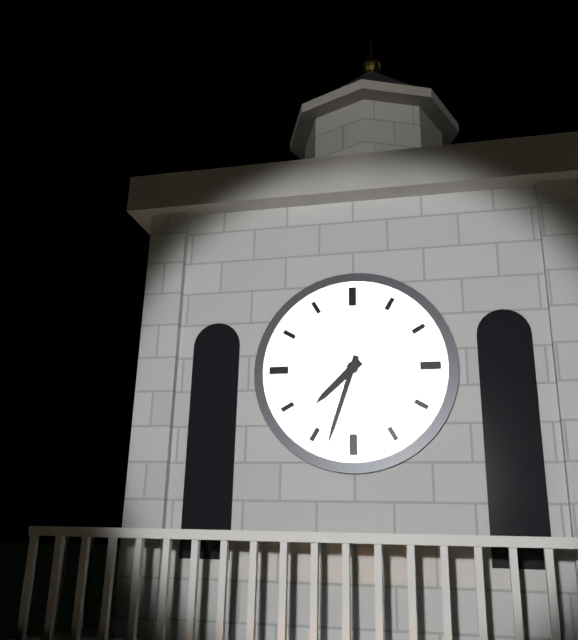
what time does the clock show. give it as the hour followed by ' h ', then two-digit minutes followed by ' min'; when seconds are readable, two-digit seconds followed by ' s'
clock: 7 h 33 min
